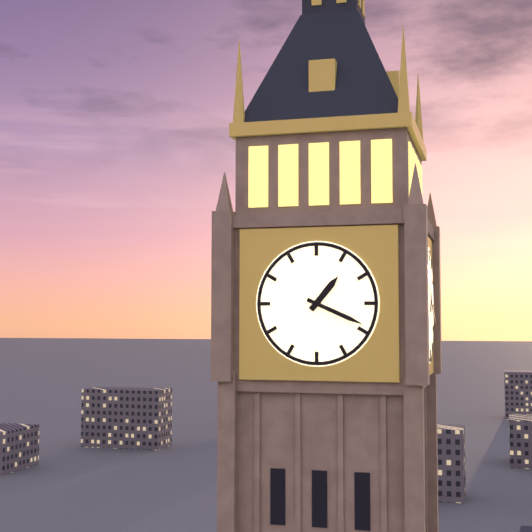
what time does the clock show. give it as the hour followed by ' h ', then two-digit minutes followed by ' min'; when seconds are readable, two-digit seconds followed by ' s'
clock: 1 h 19 min
